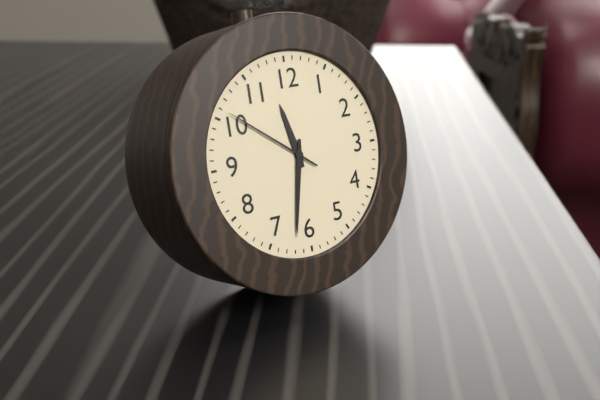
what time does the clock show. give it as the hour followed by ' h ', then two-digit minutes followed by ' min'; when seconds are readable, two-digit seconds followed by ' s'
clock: 11 h 32 min 51 s
